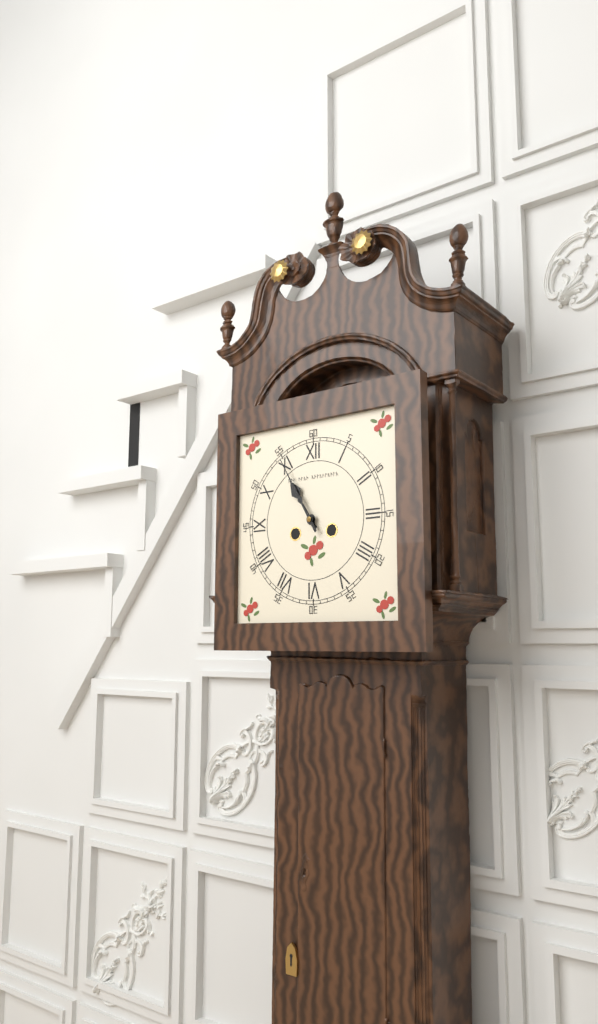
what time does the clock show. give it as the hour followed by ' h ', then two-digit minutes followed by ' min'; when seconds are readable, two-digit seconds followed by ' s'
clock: 10 h 55 min
